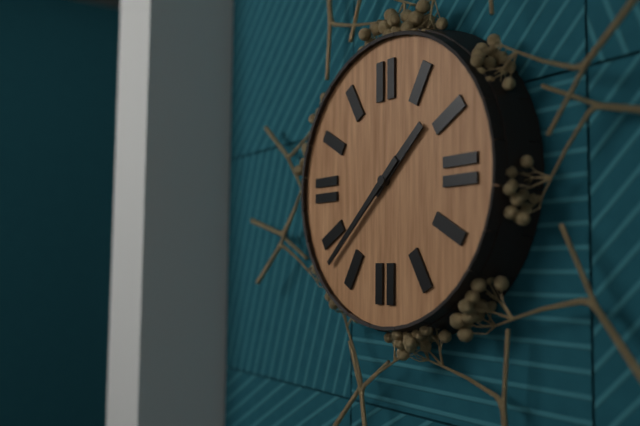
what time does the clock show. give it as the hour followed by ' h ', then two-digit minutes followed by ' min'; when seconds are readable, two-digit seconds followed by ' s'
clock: 1 h 38 min
